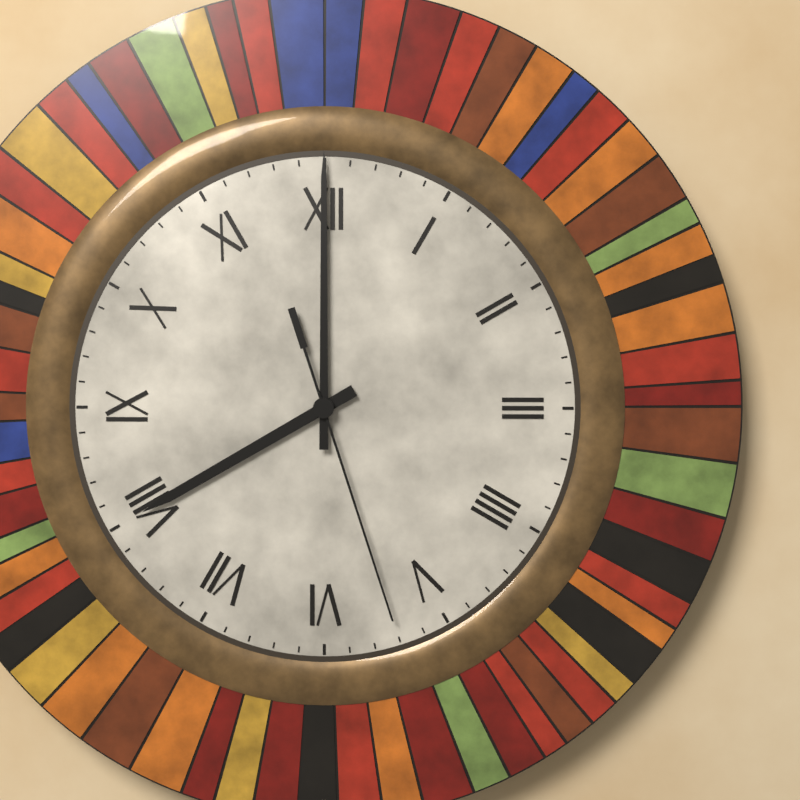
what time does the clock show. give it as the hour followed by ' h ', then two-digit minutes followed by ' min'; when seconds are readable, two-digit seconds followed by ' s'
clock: 8 h 00 min 27 s
